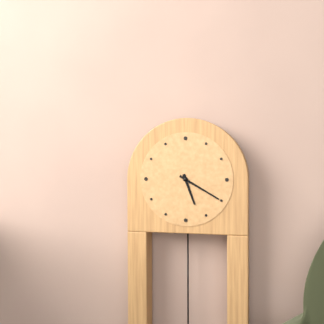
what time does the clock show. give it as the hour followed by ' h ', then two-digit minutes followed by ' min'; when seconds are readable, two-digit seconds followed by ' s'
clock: 5 h 20 min
